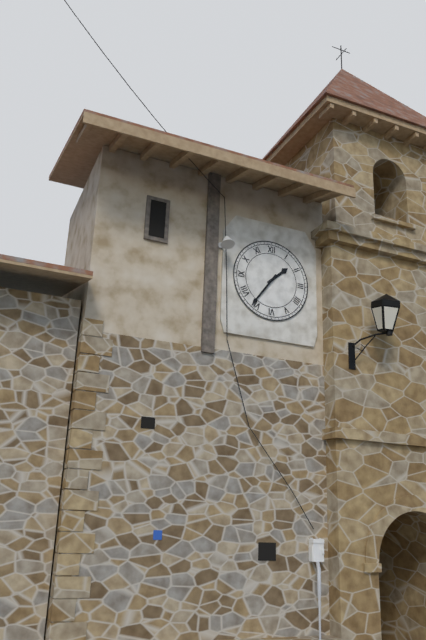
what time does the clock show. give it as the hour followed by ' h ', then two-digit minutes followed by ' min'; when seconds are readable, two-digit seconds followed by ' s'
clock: 1 h 36 min
